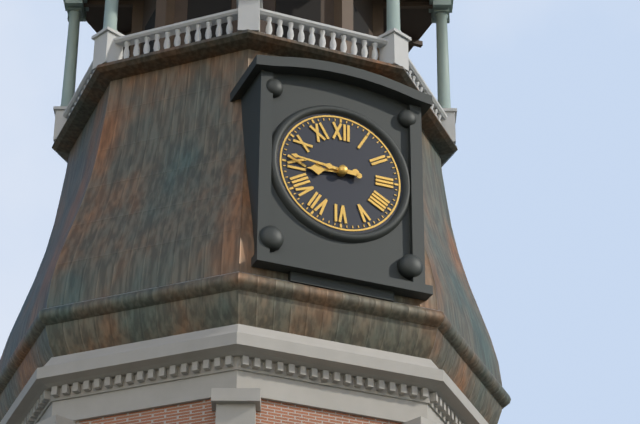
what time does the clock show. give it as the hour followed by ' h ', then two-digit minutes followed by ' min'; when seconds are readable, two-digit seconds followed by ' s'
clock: 8 h 46 min
